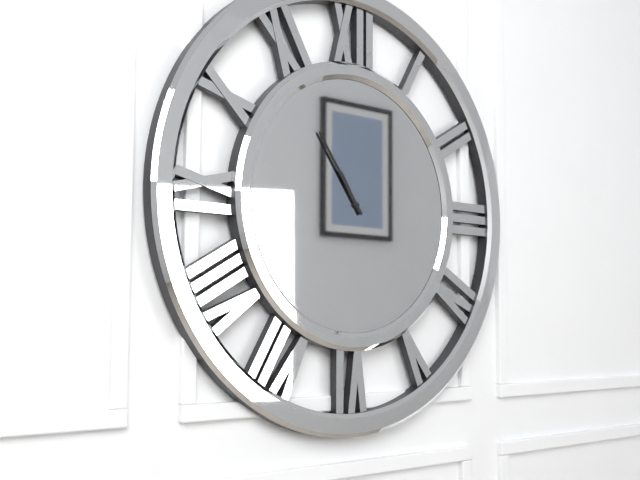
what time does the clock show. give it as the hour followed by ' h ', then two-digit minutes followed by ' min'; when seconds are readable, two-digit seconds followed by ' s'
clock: 10 h 54 min
